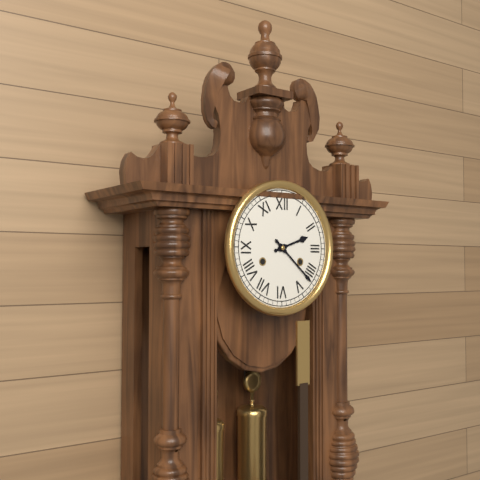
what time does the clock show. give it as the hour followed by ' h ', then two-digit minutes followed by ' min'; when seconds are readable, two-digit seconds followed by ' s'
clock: 2 h 22 min
